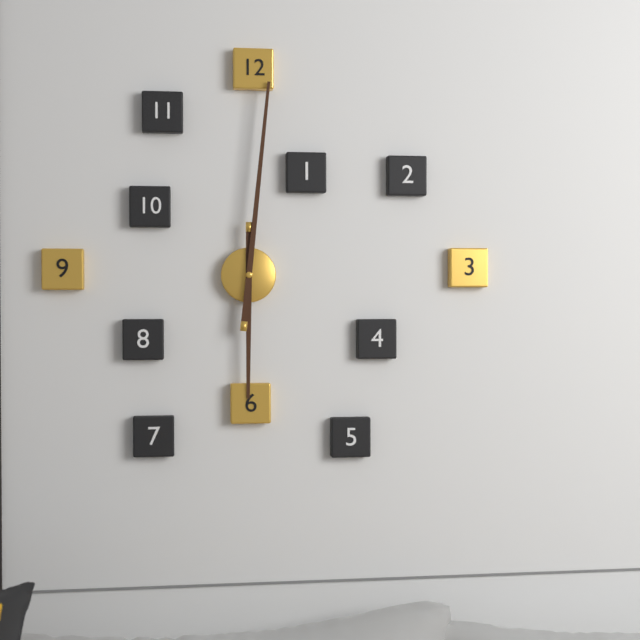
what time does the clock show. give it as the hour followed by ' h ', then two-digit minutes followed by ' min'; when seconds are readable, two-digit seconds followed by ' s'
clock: 6 h 01 min
